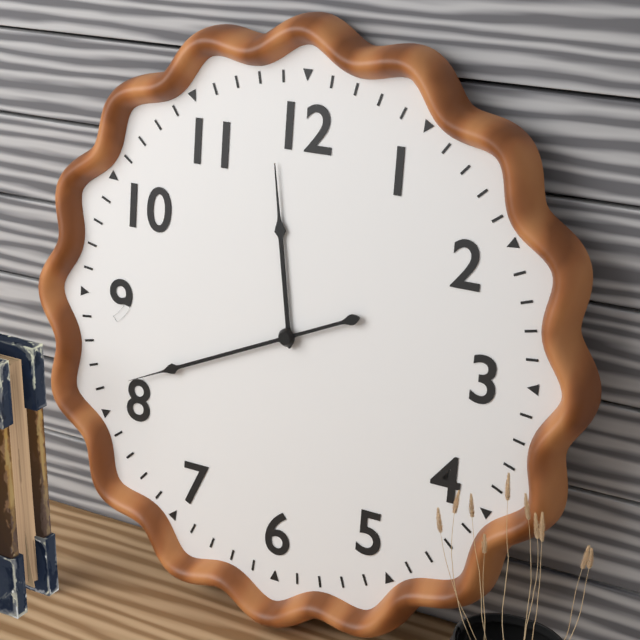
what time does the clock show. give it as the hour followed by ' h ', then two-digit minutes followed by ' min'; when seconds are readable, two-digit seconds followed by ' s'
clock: 11 h 41 min
